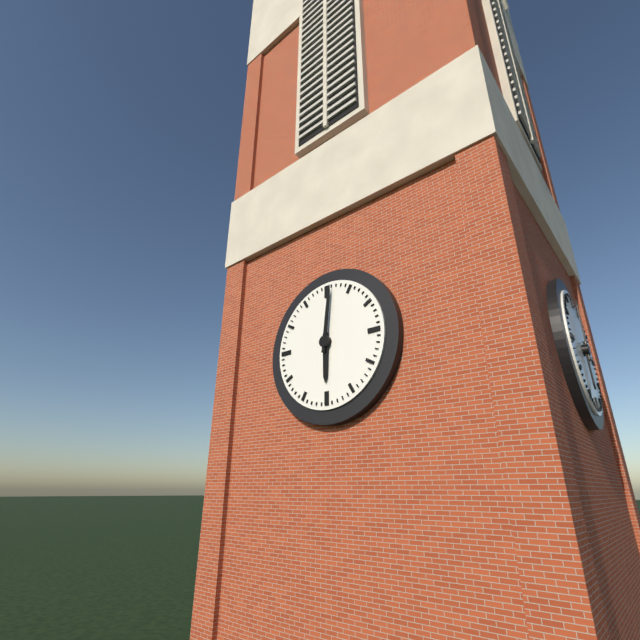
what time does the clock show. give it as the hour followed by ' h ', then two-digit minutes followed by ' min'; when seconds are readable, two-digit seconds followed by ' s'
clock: 6 h 01 min
